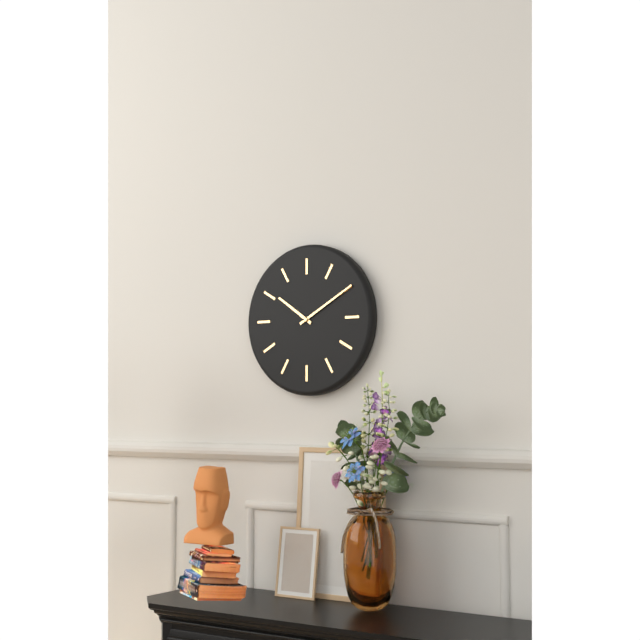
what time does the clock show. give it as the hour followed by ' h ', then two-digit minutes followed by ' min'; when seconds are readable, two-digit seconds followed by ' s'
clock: 10 h 10 min
